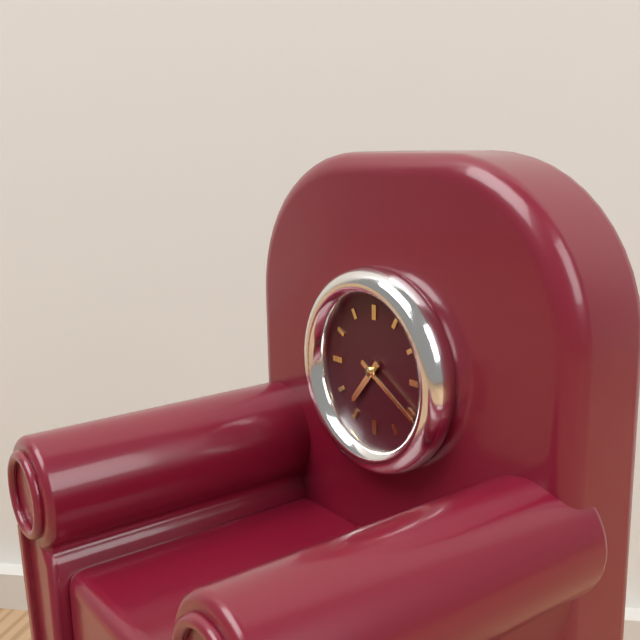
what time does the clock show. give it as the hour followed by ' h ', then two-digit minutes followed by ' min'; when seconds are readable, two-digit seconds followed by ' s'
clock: 7 h 20 min
